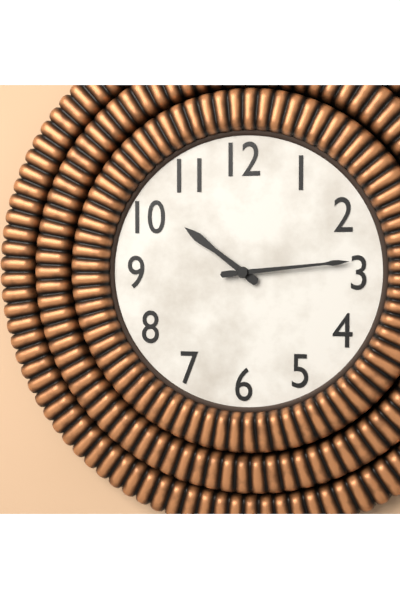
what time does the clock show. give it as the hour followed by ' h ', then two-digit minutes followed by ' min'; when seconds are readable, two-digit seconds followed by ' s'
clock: 10 h 14 min
